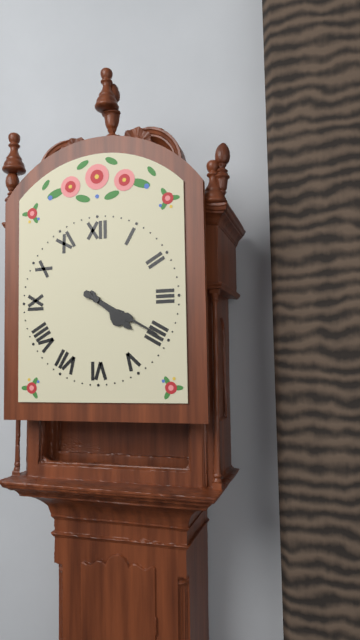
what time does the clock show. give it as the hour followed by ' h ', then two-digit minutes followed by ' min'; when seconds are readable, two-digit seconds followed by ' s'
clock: 4 h 20 min
